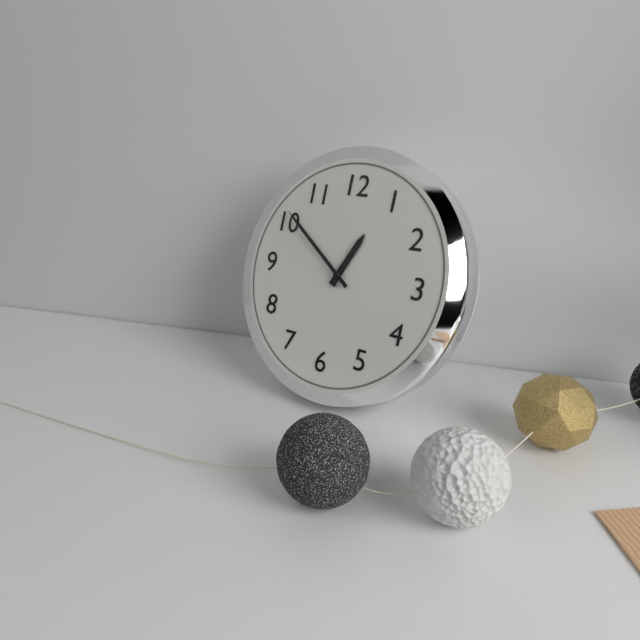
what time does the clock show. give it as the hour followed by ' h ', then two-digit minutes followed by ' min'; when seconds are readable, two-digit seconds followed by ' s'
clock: 12 h 51 min
